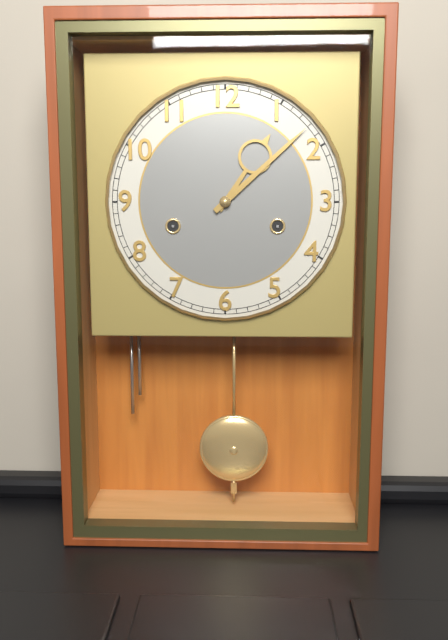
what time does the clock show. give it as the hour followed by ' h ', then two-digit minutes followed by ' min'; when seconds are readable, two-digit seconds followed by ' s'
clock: 1 h 08 min
